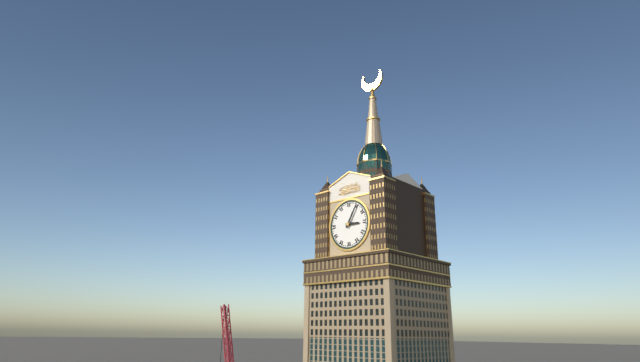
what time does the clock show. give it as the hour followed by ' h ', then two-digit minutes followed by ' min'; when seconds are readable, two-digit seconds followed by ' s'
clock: 3 h 05 min
